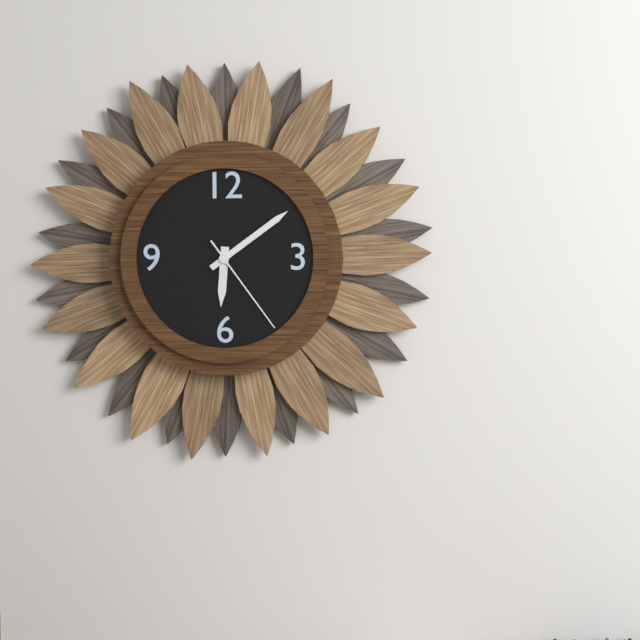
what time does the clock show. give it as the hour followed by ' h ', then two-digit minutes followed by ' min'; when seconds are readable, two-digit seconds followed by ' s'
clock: 6 h 09 min 24 s
